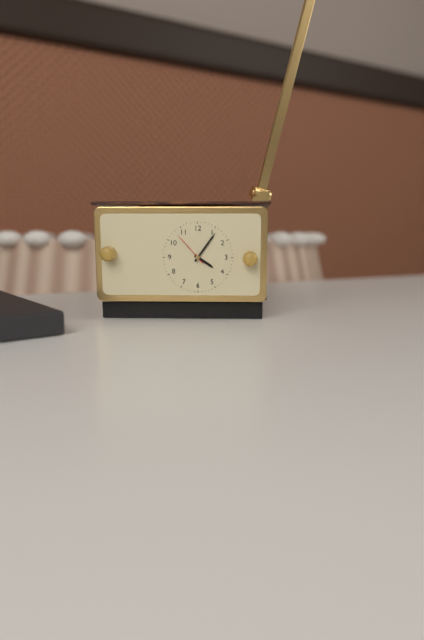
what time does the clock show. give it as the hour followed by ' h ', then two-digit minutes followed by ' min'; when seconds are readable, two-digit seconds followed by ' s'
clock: 4 h 06 min
